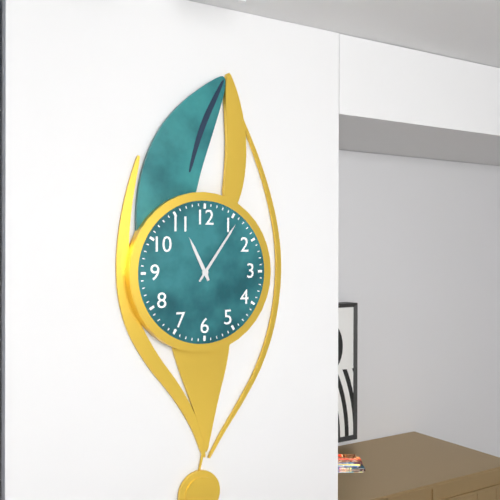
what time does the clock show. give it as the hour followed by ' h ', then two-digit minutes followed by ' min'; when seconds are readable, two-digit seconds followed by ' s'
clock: 11 h 06 min
